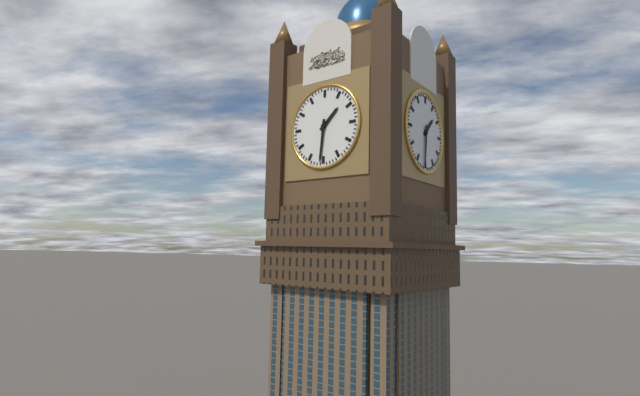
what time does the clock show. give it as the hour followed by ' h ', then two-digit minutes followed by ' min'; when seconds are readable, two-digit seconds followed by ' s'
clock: 1 h 31 min
